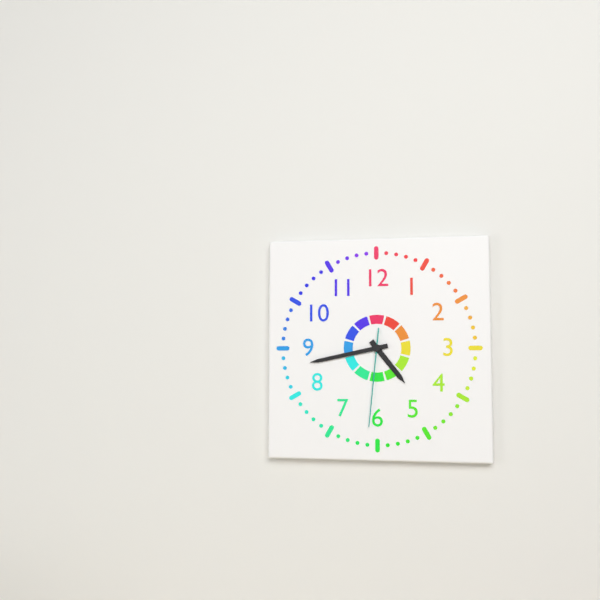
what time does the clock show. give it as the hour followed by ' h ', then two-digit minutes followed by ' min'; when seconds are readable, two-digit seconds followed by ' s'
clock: 4 h 43 min 31 s
